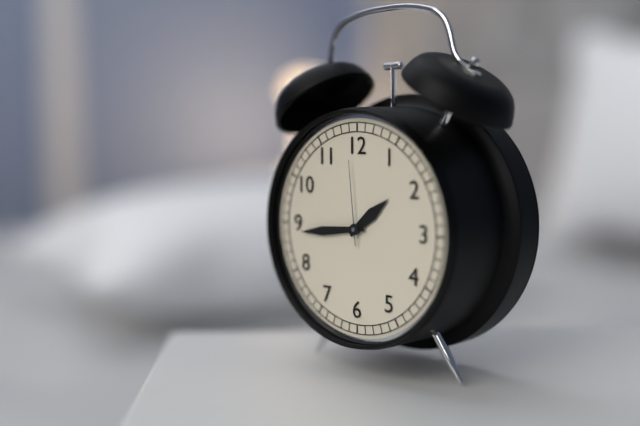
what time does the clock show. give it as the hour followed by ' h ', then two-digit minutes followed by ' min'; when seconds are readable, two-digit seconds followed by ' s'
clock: 1 h 44 min 59 s
